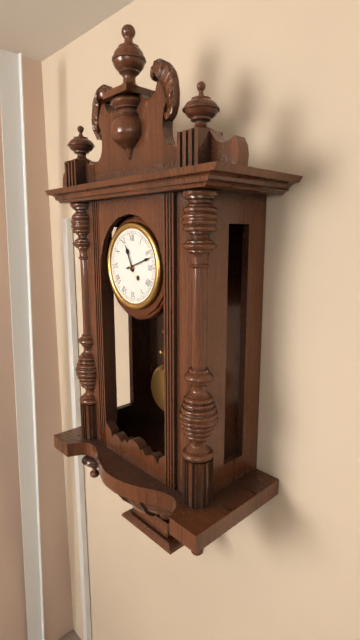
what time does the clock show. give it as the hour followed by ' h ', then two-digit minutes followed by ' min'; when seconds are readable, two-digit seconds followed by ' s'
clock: 11 h 12 min
